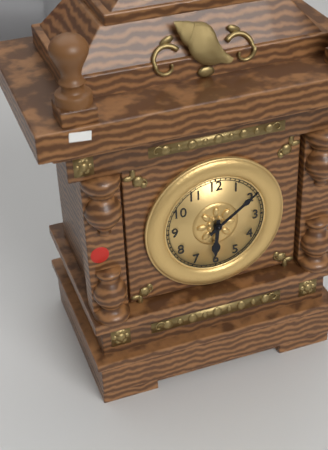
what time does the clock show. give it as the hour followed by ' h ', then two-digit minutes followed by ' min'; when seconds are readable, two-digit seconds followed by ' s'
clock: 6 h 09 min
